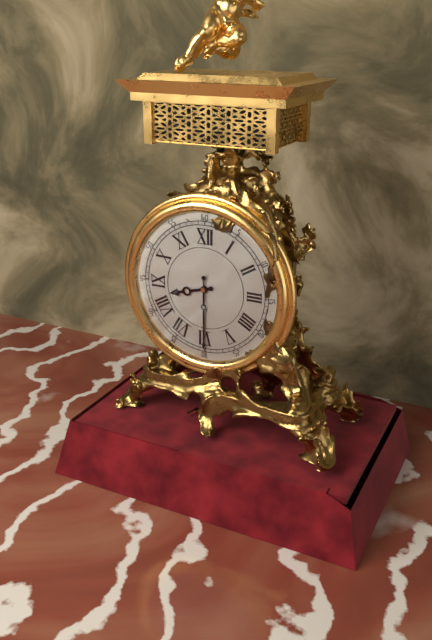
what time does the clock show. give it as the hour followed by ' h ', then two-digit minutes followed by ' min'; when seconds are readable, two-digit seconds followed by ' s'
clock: 8 h 30 min
